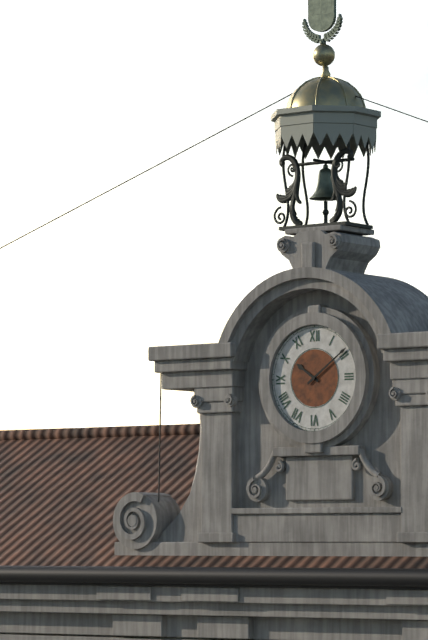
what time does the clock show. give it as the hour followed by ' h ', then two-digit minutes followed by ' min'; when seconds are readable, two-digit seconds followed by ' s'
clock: 10 h 09 min
